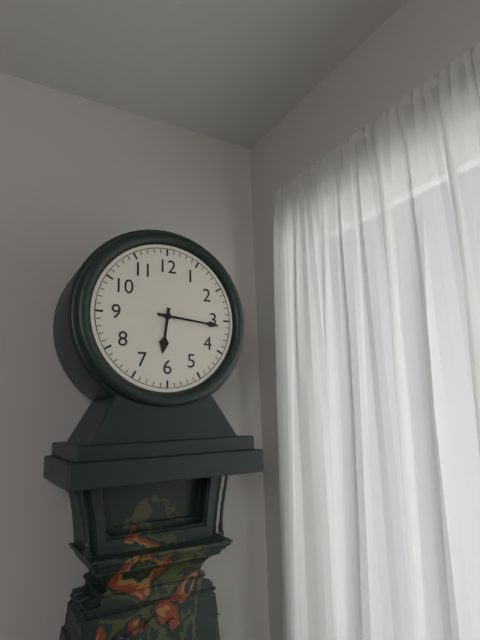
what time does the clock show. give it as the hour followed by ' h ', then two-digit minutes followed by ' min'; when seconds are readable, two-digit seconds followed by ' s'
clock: 6 h 16 min
